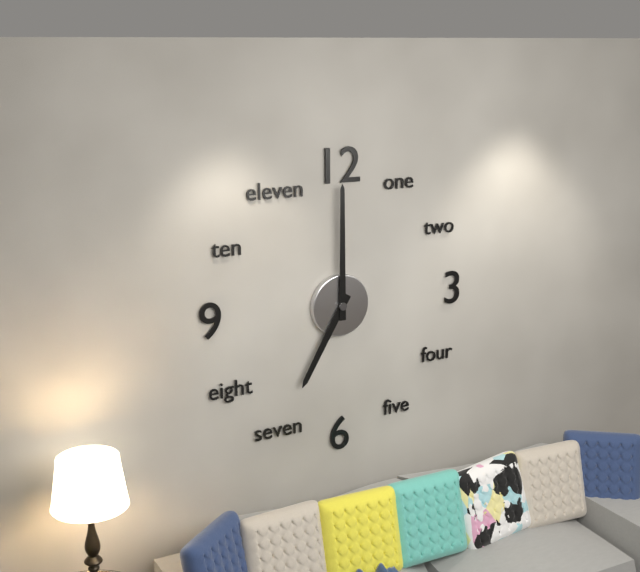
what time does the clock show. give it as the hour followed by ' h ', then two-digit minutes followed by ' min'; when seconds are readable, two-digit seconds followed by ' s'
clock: 7 h 00 min
